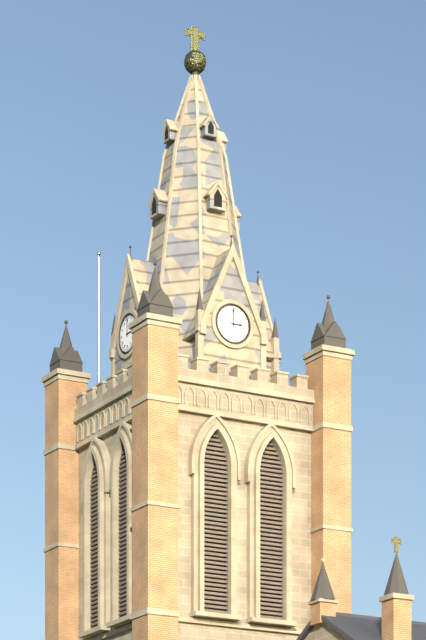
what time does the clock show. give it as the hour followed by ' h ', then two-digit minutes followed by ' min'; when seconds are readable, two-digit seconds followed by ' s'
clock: 3 h 00 min
